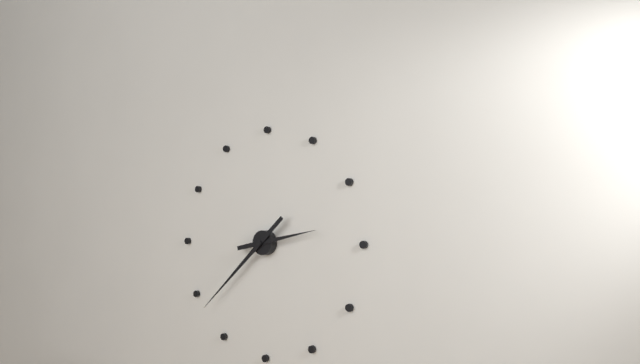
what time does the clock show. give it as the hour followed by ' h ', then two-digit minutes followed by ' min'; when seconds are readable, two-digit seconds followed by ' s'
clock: 2 h 38 min
